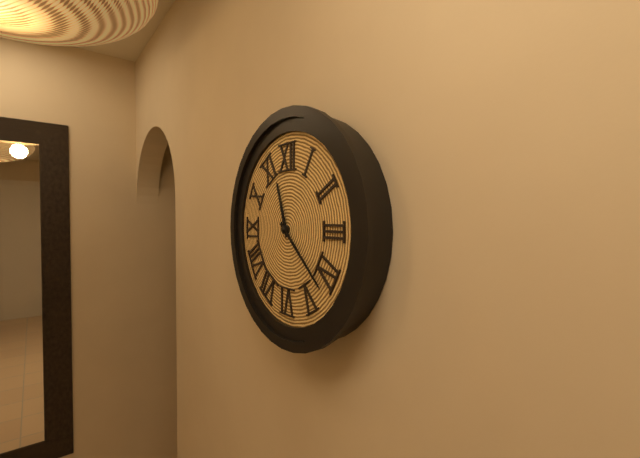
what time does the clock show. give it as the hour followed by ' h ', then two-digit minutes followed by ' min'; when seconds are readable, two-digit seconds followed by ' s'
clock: 11 h 22 min
